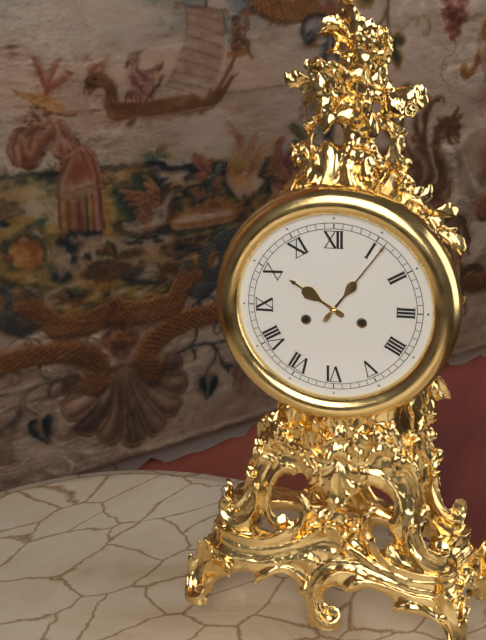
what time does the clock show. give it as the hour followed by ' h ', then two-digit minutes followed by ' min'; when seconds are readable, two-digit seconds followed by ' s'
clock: 10 h 06 min
